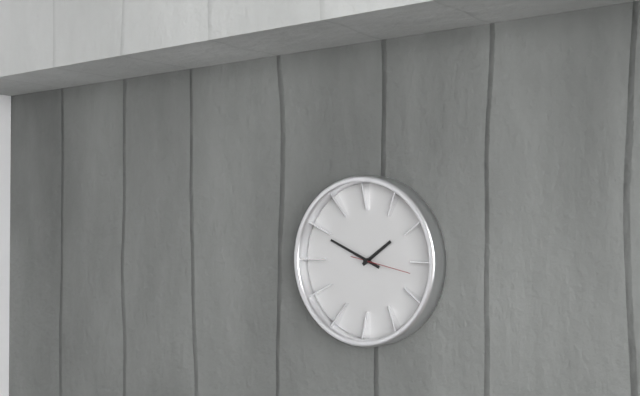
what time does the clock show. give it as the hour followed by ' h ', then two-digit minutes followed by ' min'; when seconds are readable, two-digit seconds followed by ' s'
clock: 1 h 49 min 17 s
